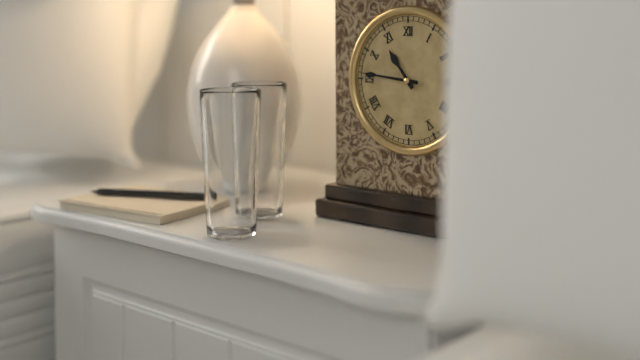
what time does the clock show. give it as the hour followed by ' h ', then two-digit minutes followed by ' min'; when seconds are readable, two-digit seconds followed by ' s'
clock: 10 h 46 min
